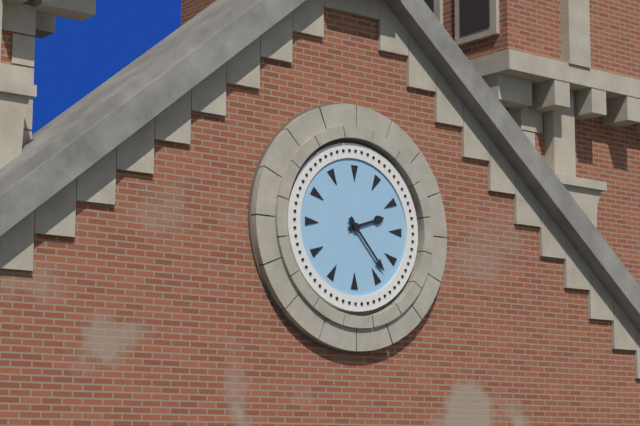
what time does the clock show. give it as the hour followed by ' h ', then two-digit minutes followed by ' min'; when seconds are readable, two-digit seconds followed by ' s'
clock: 2 h 23 min
